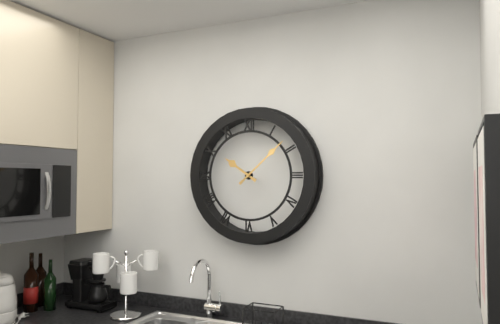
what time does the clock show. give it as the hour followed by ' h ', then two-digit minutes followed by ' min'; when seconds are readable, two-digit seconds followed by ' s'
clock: 10 h 08 min
